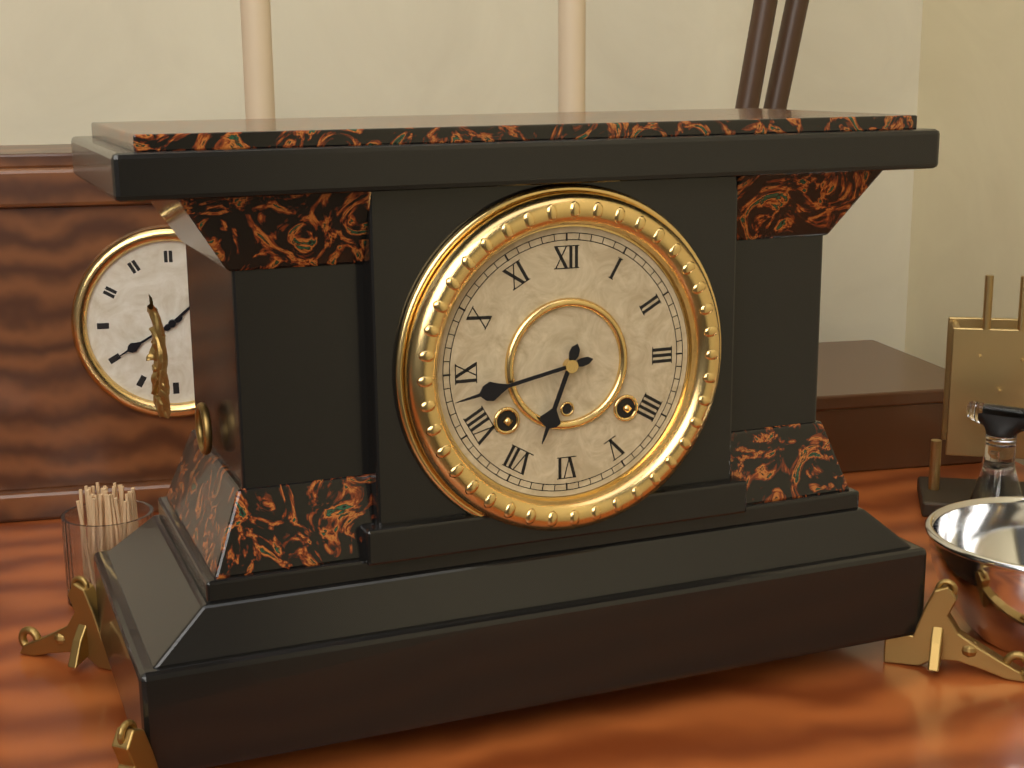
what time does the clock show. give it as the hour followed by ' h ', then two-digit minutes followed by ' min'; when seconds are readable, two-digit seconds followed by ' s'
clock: 6 h 43 min
